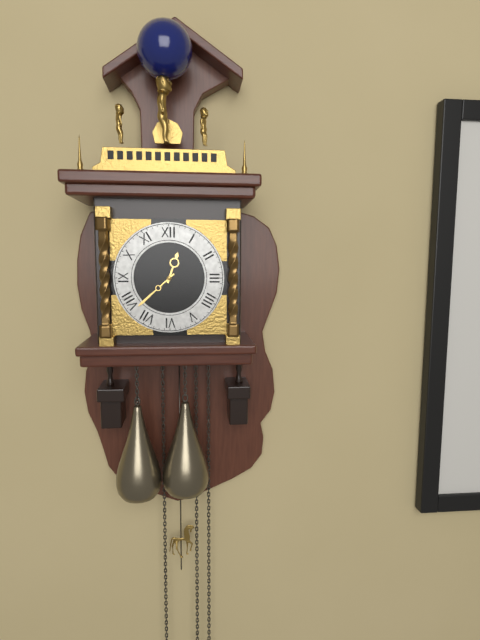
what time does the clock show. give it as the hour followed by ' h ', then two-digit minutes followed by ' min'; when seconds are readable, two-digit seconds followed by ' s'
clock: 12 h 38 min
